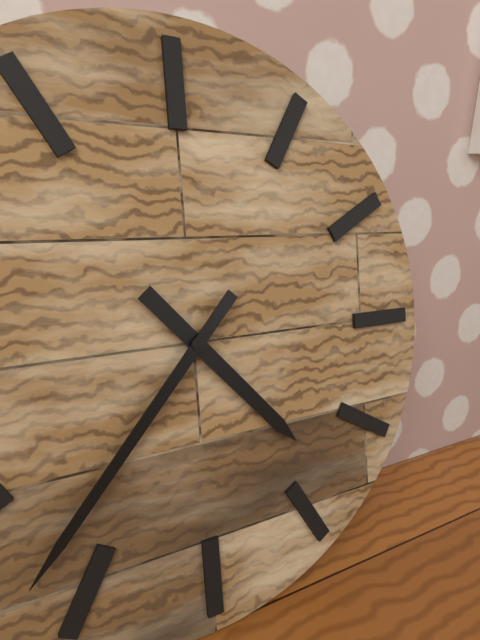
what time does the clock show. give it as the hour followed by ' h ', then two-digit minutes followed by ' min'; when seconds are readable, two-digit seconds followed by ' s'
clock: 4 h 37 min
